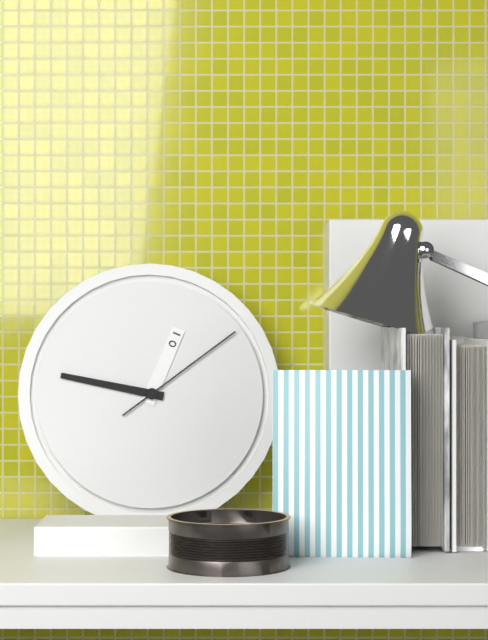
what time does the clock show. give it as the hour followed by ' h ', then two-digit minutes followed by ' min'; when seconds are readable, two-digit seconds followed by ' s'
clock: 12 h 47 min 09 s
